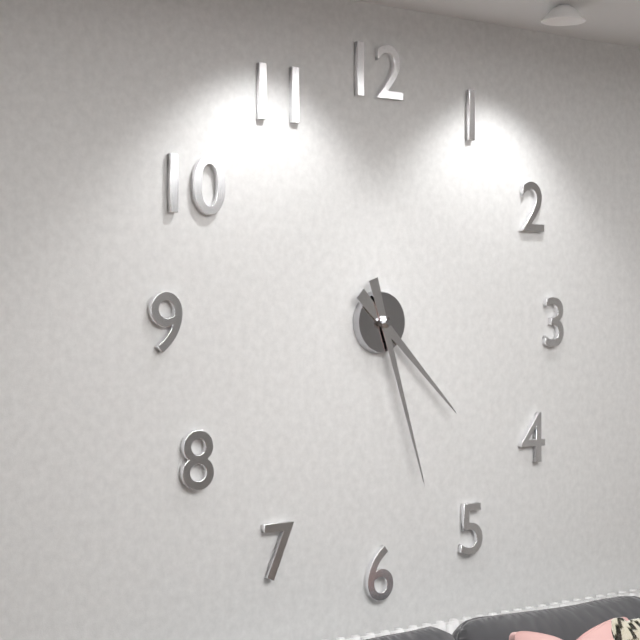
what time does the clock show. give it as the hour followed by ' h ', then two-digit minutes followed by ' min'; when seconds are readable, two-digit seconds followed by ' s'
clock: 4 h 27 min
